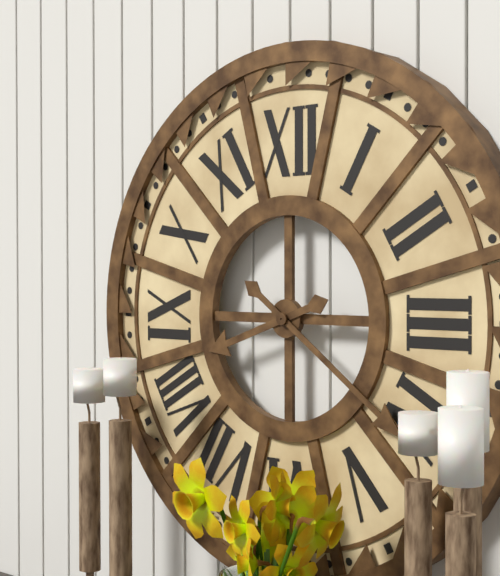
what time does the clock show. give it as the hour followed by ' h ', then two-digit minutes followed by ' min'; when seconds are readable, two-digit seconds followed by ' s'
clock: 8 h 21 min
